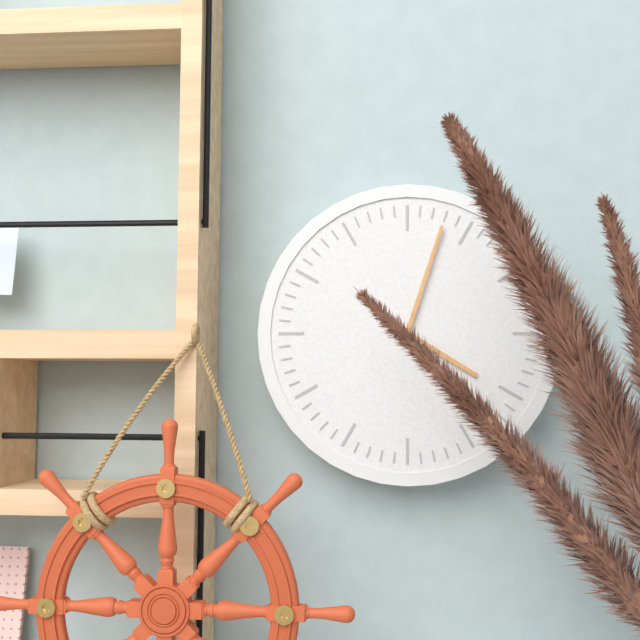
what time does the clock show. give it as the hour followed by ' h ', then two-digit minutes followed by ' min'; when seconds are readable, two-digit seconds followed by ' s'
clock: 4 h 03 min
